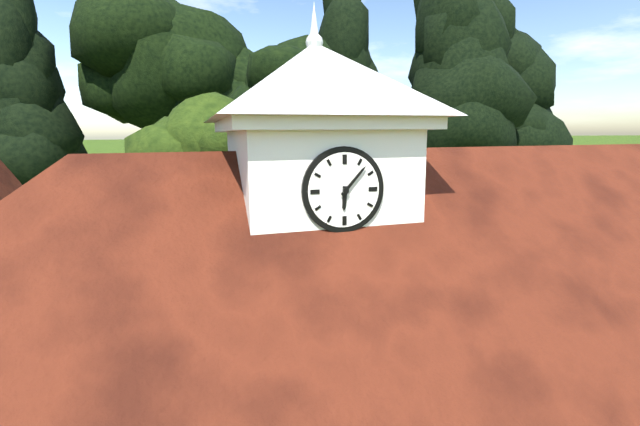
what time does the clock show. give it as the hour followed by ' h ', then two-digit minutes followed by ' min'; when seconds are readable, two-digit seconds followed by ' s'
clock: 6 h 07 min
